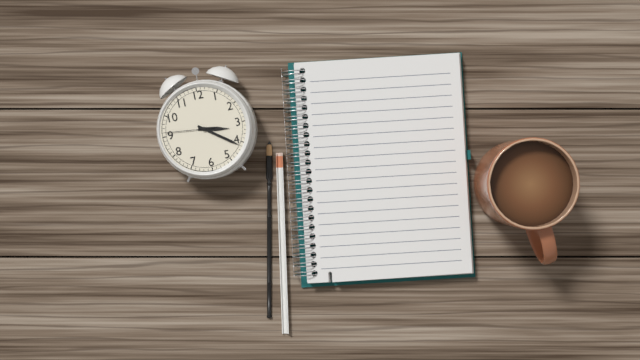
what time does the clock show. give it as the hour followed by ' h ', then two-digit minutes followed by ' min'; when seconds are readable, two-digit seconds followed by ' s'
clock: 3 h 21 min
